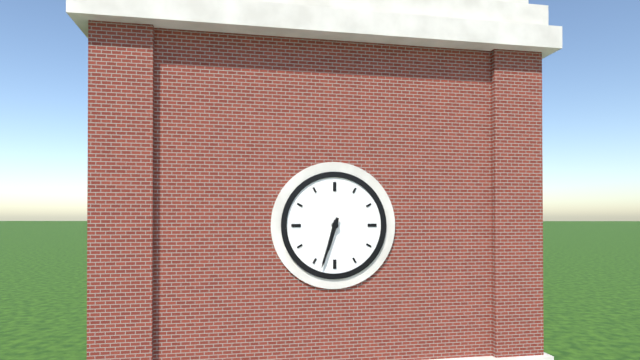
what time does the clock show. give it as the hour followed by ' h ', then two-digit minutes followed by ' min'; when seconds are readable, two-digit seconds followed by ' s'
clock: 6 h 33 min
